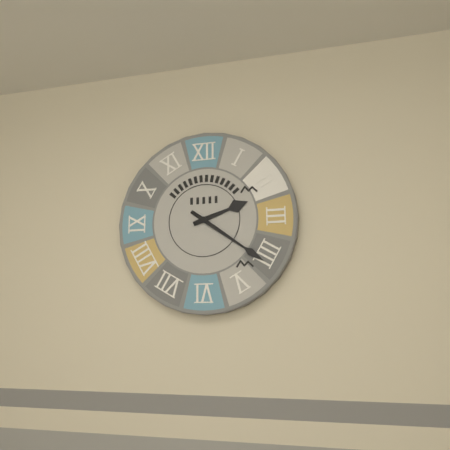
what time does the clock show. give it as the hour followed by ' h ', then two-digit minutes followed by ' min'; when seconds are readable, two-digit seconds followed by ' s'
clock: 2 h 21 min
